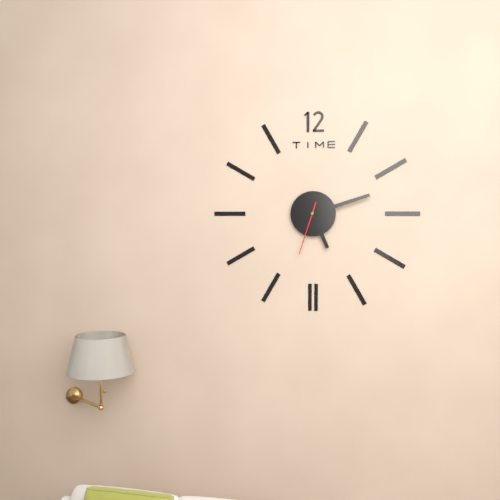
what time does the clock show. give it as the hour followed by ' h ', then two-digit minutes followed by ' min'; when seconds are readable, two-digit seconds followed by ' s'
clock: 5 h 12 min 33 s
